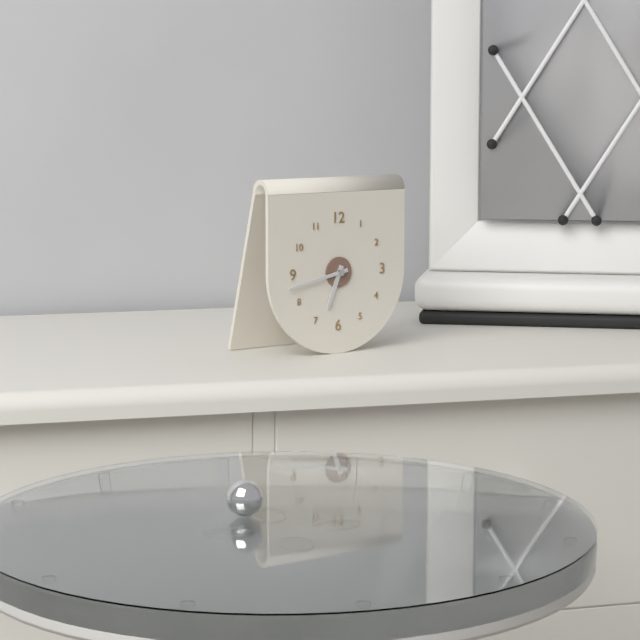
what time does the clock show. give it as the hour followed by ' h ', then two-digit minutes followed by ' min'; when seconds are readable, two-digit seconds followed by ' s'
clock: 6 h 43 min
